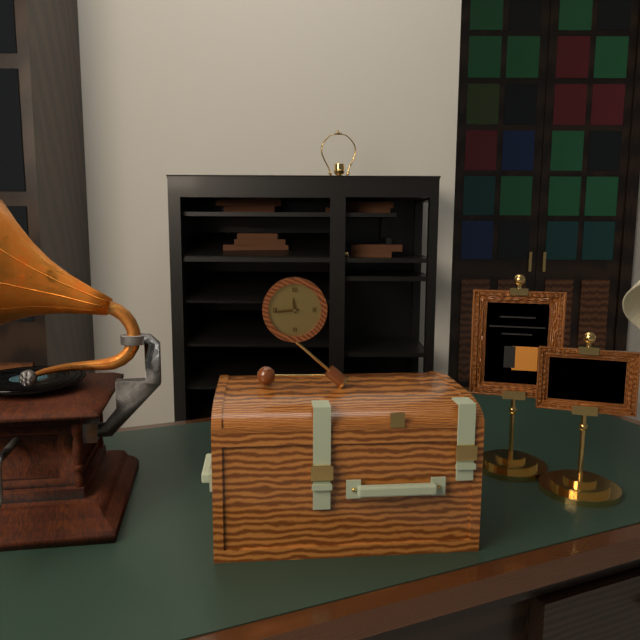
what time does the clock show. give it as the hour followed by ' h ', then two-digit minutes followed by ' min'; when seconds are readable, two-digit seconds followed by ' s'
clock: 11 h 44 min
